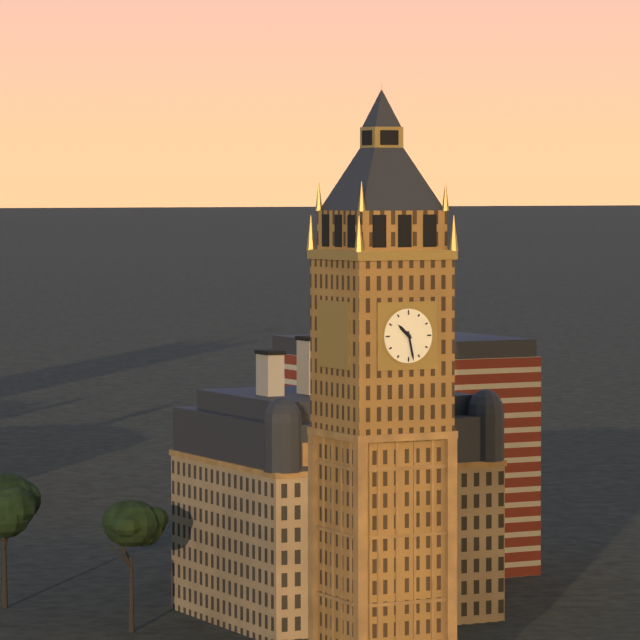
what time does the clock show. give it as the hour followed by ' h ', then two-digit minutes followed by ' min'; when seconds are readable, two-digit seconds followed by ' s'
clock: 10 h 28 min
